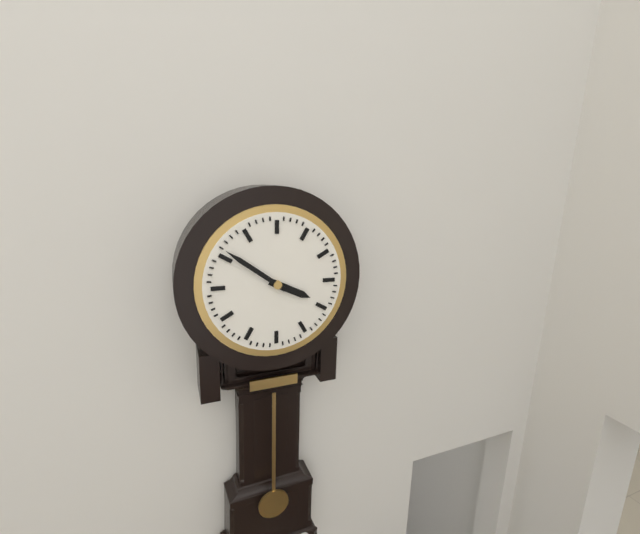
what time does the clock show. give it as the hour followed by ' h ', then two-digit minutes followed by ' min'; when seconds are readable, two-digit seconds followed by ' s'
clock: 3 h 51 min
